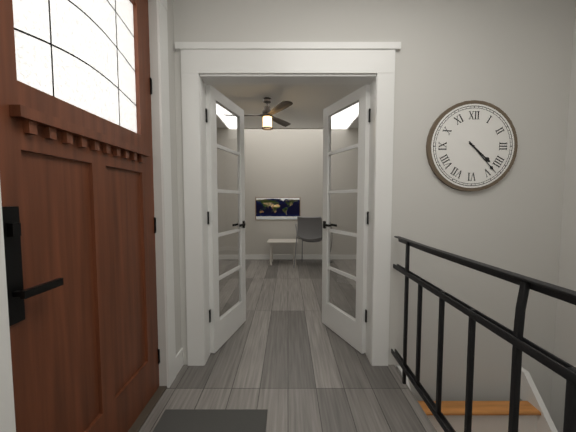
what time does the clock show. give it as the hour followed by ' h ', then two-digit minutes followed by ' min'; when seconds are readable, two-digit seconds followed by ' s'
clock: 4 h 23 min
